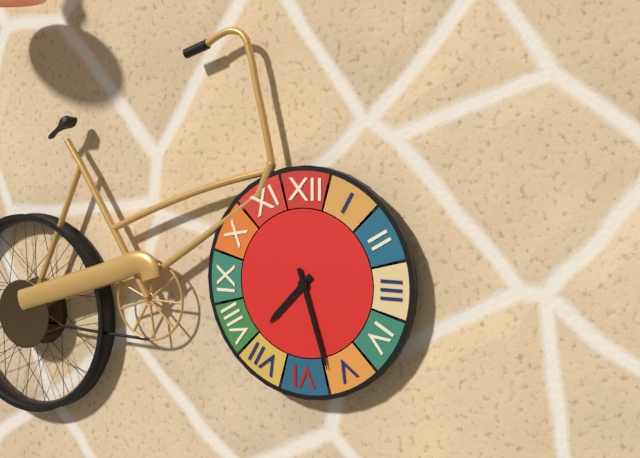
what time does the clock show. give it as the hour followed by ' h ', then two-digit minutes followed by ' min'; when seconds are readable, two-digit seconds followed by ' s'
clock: 7 h 27 min
